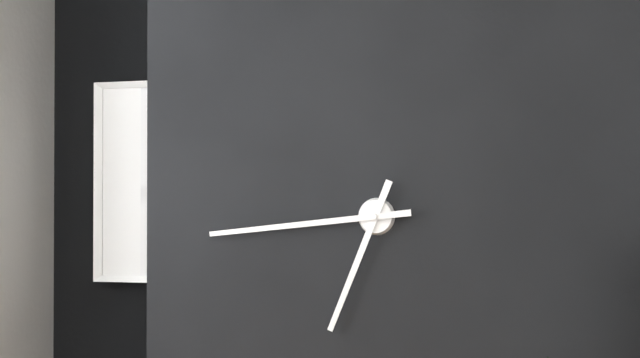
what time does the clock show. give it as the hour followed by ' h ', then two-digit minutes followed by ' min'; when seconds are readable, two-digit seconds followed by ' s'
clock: 6 h 44 min
